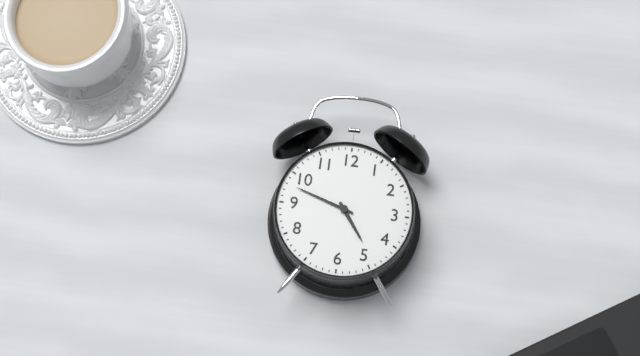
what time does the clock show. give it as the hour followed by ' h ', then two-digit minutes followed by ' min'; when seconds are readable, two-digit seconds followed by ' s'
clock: 4 h 48 min
